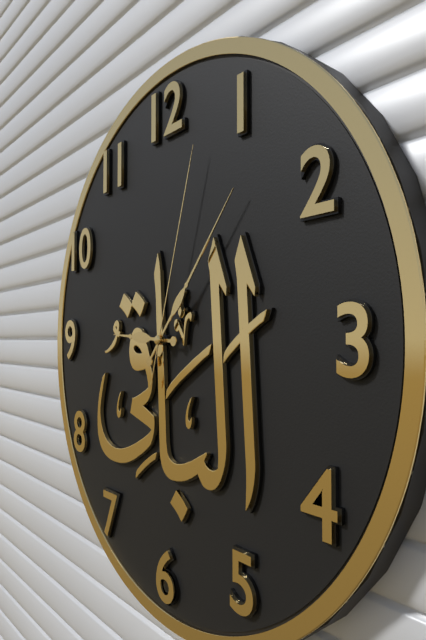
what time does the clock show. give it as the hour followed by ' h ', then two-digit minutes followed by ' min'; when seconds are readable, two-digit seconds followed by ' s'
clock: 9 h 07 min 03 s
